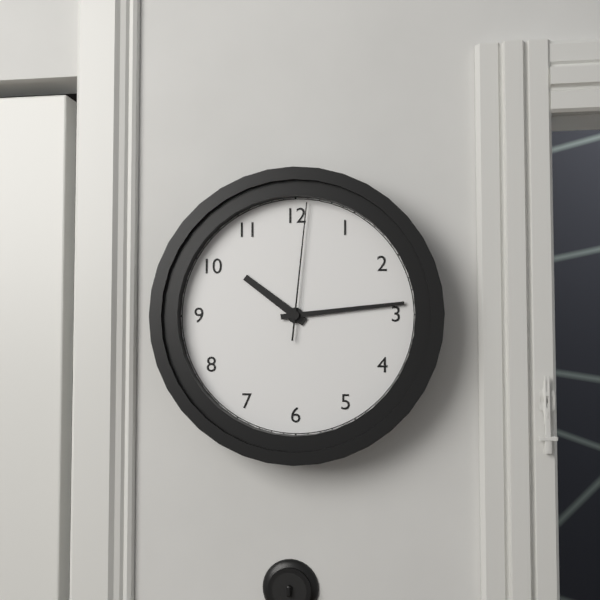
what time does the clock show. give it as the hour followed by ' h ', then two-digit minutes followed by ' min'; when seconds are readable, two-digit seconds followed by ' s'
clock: 10 h 14 min 01 s
